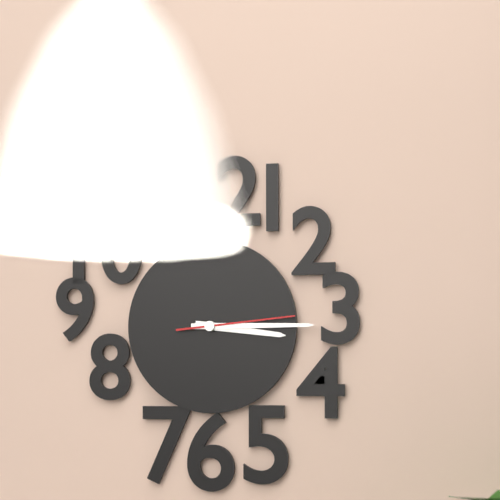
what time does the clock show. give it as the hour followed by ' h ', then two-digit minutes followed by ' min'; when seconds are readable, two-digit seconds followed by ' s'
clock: 3 h 15 min 14 s
